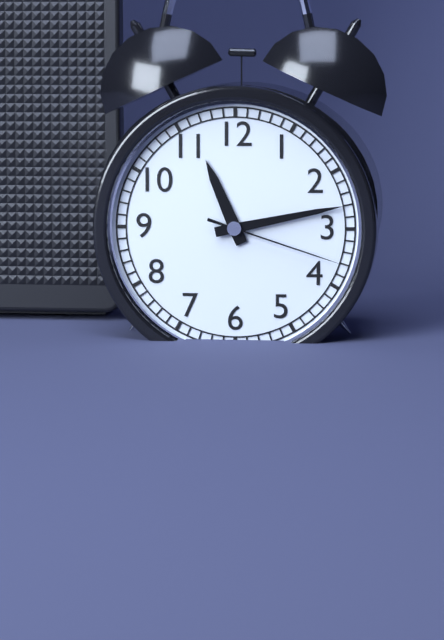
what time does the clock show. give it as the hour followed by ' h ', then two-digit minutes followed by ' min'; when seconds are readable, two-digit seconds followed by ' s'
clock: 11 h 13 min 18 s
